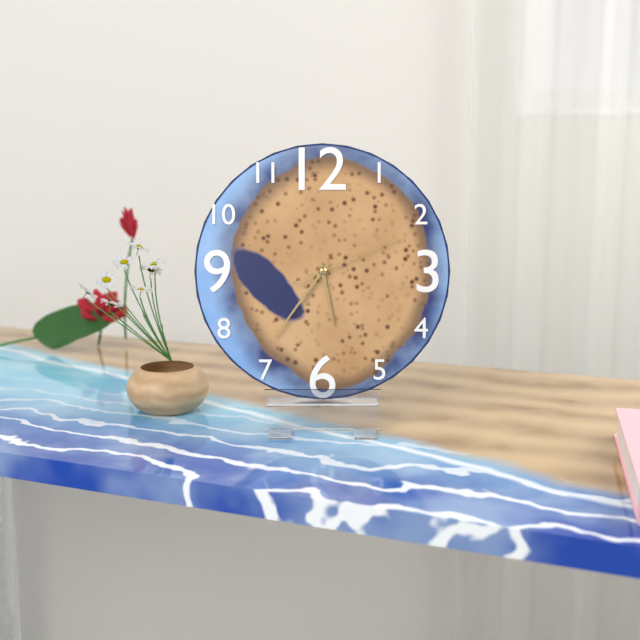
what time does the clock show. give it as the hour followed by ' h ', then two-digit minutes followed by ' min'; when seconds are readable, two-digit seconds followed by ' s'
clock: 5 h 36 min 11 s
